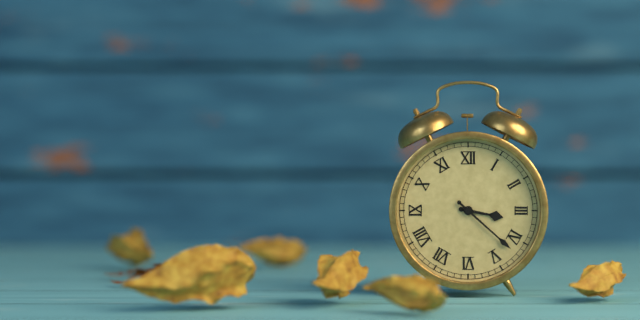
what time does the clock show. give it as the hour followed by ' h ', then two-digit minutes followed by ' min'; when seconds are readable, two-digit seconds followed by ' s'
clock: 3 h 22 min
